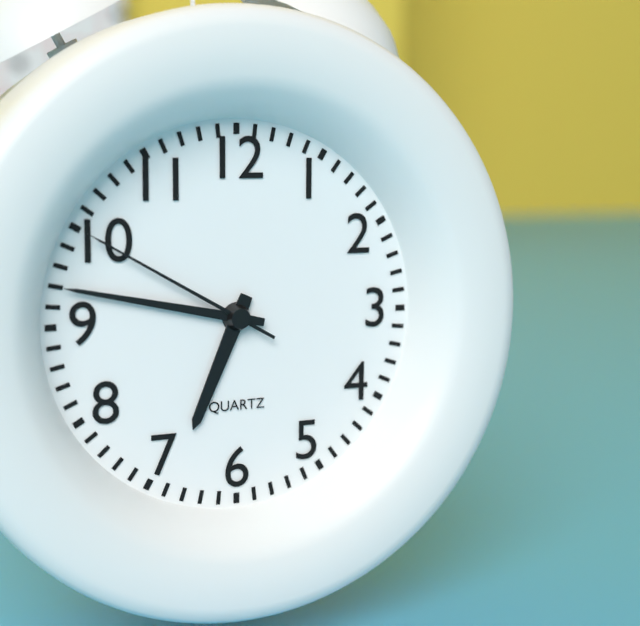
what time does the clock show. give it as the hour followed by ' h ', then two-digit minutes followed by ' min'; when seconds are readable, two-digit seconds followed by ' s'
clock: 6 h 47 min 50 s
